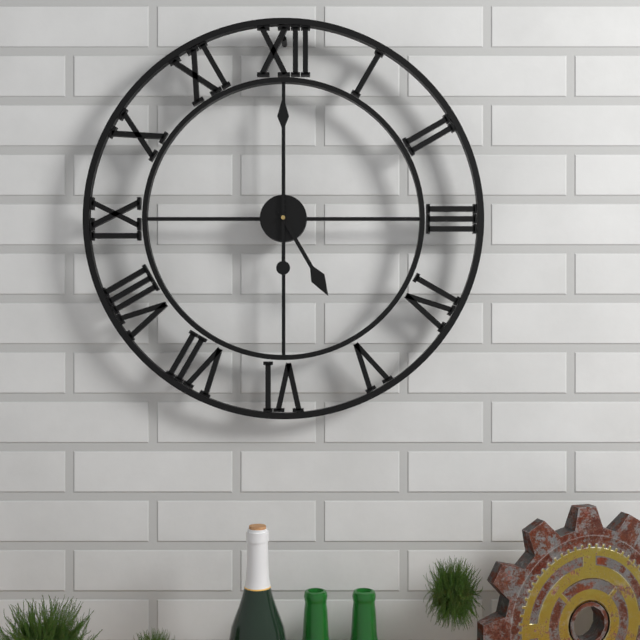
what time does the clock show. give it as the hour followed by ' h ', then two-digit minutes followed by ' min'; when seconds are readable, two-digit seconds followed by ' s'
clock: 5 h 00 min
